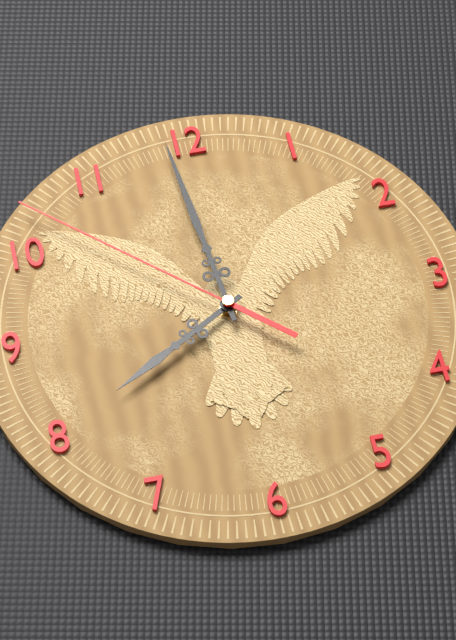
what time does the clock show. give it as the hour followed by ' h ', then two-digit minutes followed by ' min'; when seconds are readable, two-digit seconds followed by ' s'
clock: 7 h 59 min 52 s
